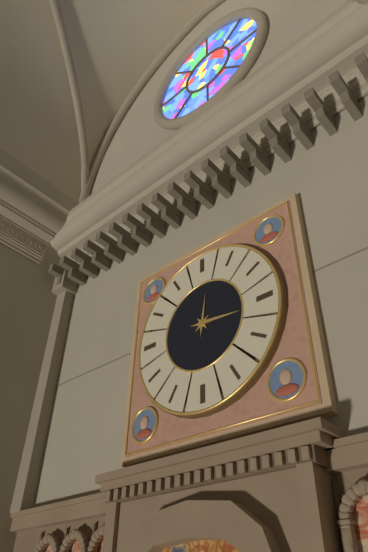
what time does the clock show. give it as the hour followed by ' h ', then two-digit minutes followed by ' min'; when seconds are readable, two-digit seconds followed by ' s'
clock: 12 h 16 min
